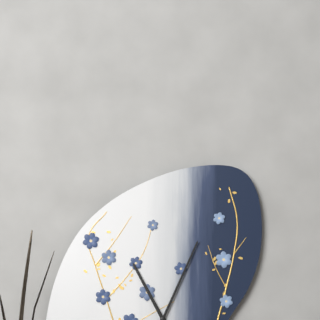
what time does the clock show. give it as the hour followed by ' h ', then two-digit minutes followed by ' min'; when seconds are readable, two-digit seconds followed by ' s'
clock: 11 h 04 min
